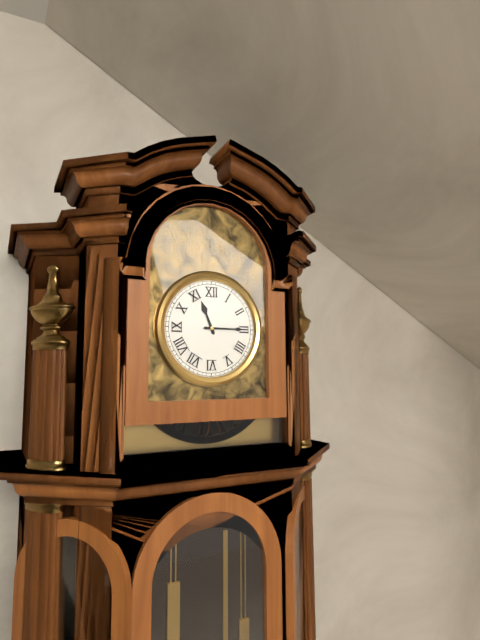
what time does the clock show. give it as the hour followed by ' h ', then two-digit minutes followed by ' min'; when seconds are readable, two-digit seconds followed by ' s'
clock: 11 h 15 min
